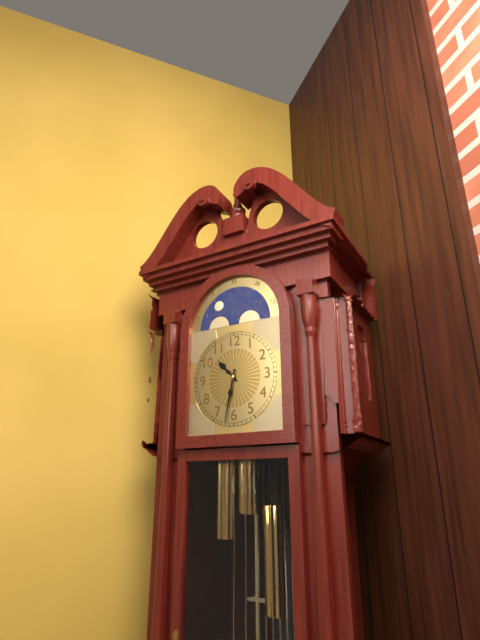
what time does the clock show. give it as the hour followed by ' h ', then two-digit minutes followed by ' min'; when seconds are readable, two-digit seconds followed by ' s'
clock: 10 h 32 min
